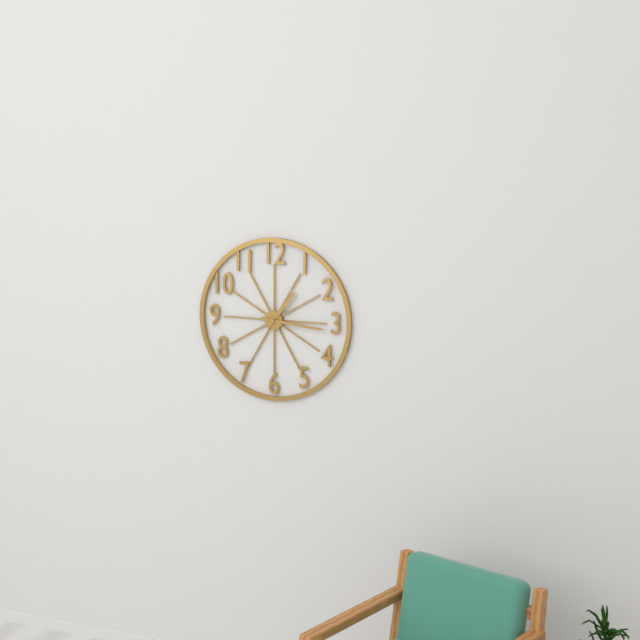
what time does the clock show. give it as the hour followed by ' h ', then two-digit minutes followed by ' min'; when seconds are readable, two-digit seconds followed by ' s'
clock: 1 h 16 min
